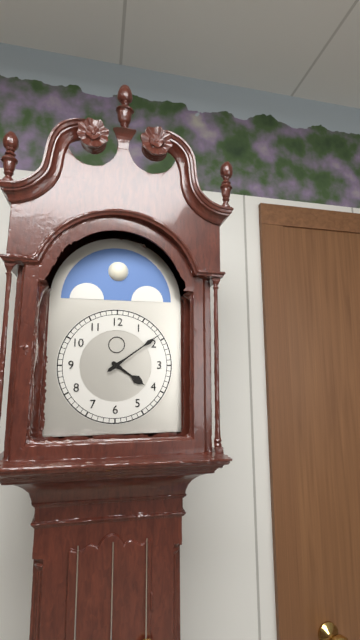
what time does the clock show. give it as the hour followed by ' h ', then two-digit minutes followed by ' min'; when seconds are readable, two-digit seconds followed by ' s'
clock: 4 h 09 min
